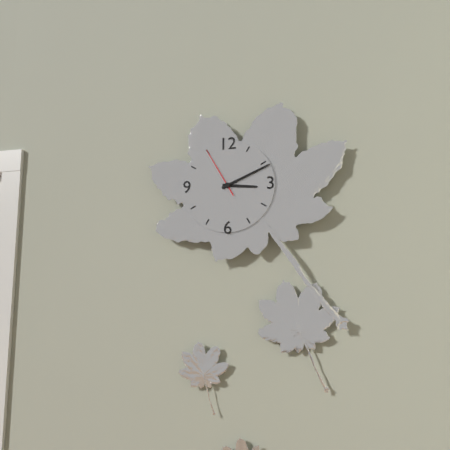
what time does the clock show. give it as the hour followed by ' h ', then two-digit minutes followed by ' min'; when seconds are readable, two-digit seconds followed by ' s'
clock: 3 h 11 min 55 s
